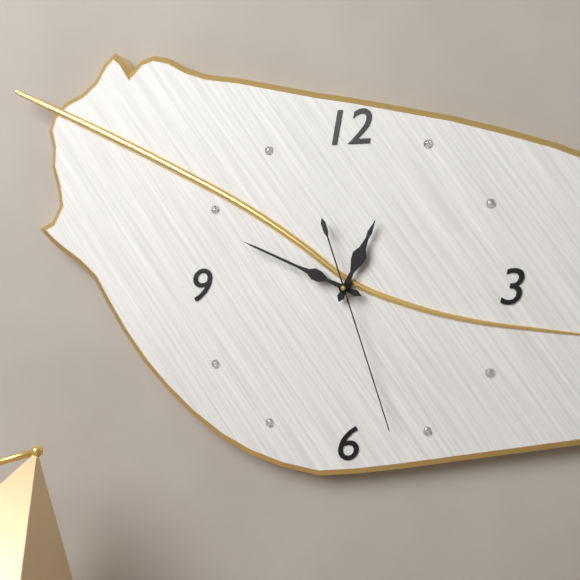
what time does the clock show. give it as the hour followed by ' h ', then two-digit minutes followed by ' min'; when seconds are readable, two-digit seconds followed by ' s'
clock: 12 h 49 min 27 s
